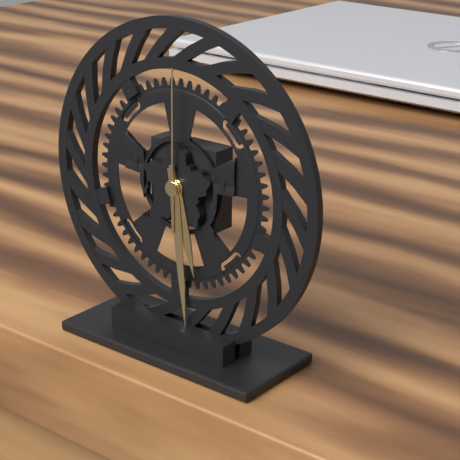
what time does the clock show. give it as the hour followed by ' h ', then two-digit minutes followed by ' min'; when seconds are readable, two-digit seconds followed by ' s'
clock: 5 h 29 min 00 s
